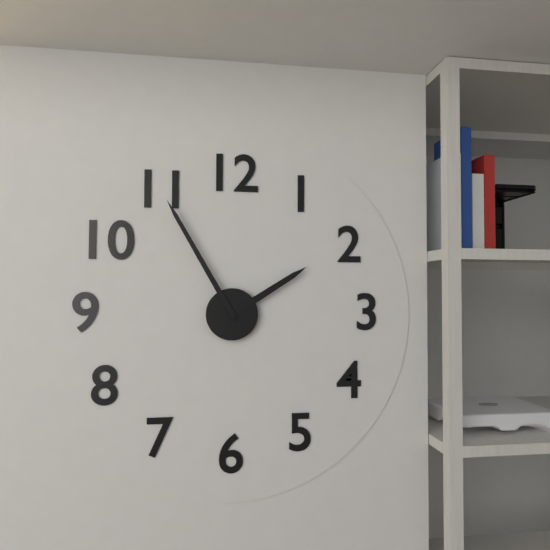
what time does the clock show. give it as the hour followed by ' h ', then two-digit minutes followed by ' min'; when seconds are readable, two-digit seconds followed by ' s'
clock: 1 h 55 min
